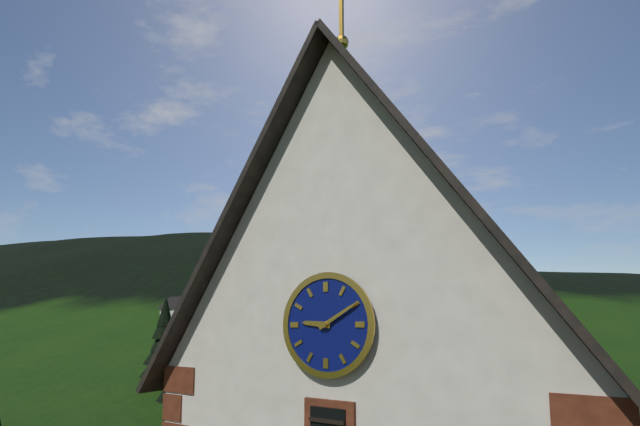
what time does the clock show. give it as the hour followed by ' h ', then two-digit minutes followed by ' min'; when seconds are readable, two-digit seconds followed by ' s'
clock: 9 h 10 min
